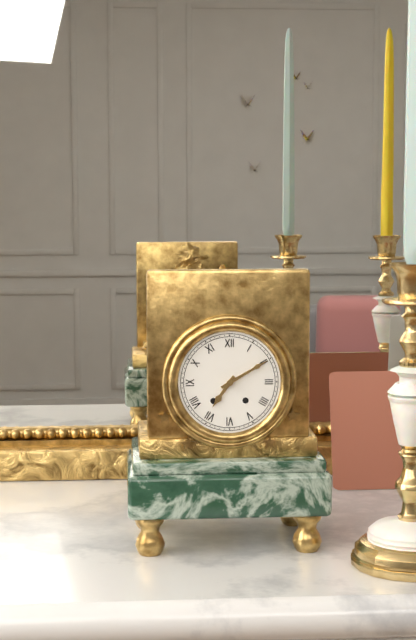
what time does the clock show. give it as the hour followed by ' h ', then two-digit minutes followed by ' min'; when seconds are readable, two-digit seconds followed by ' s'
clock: 7 h 10 min
